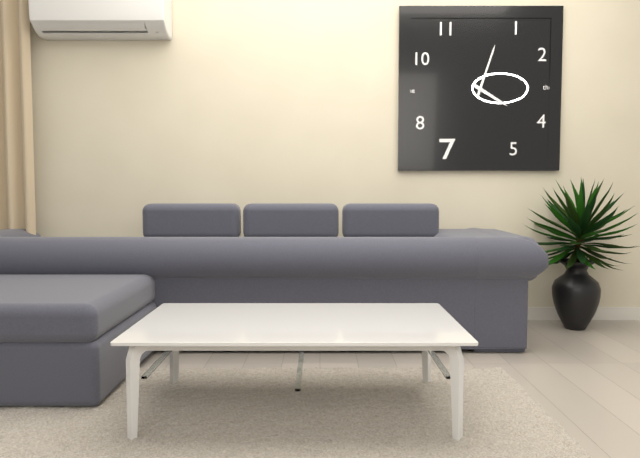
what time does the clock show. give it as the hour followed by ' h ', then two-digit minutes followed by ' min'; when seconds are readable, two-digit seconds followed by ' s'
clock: 4 h 03 min
